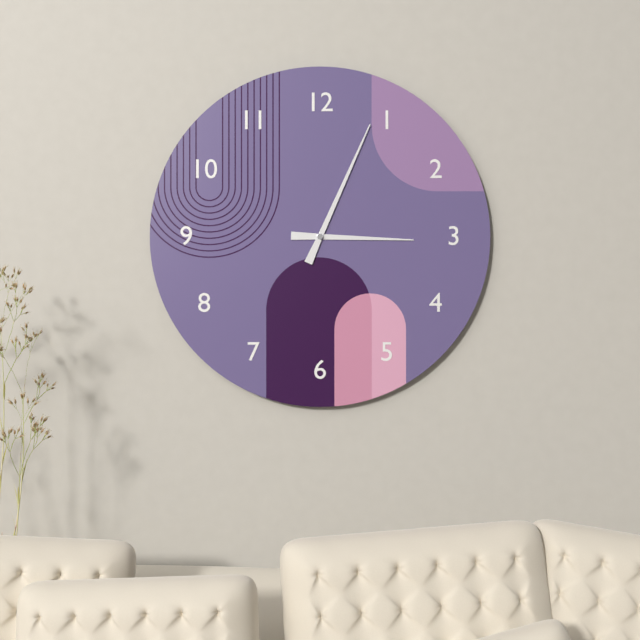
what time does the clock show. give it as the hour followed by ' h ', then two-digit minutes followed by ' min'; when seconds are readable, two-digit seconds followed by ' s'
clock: 3 h 04 min
